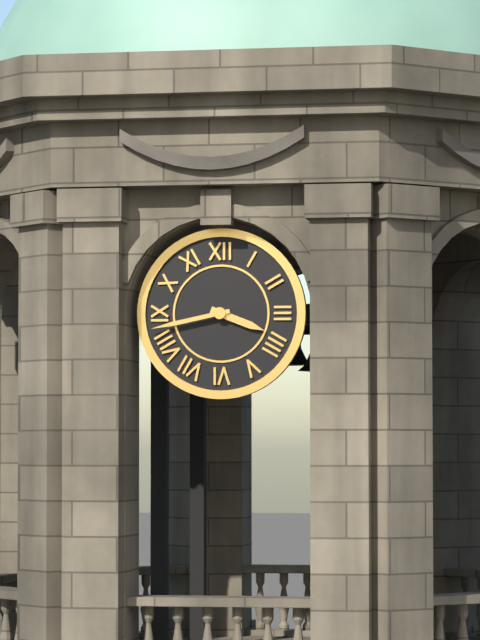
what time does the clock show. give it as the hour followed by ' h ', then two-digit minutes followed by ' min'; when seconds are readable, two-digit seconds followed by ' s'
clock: 3 h 43 min
